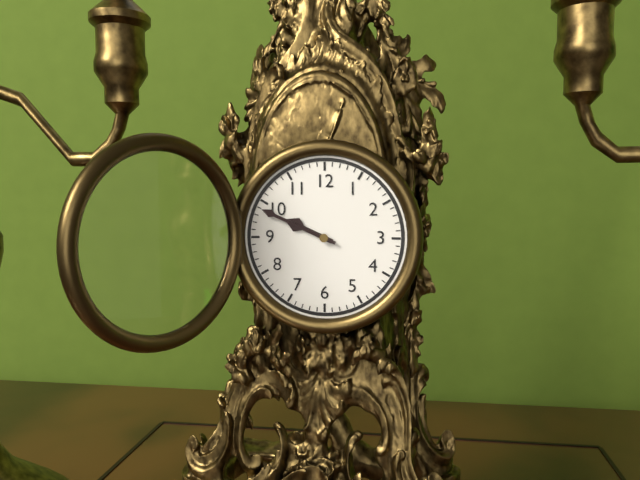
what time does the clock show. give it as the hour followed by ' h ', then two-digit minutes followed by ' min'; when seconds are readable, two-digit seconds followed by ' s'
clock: 9 h 49 min
